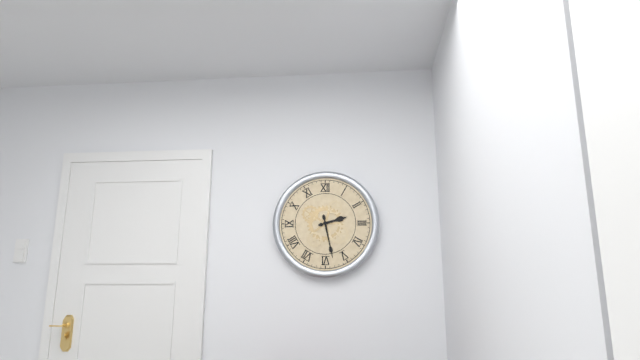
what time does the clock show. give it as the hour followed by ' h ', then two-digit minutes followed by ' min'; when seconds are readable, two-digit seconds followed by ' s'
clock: 2 h 28 min
